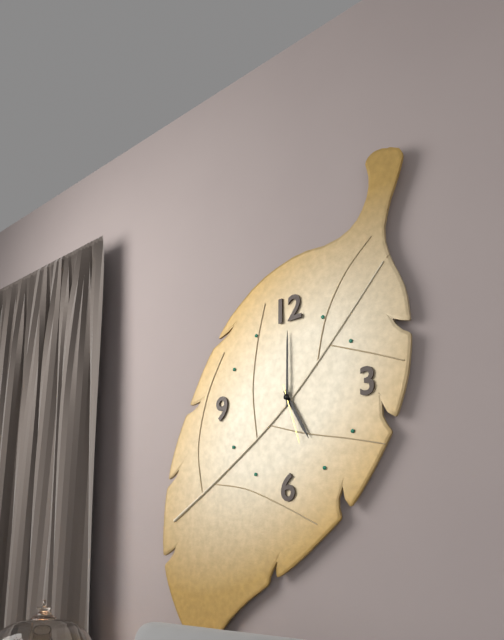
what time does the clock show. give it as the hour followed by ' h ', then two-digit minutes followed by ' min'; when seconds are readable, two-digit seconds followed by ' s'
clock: 5 h 00 min 27 s
